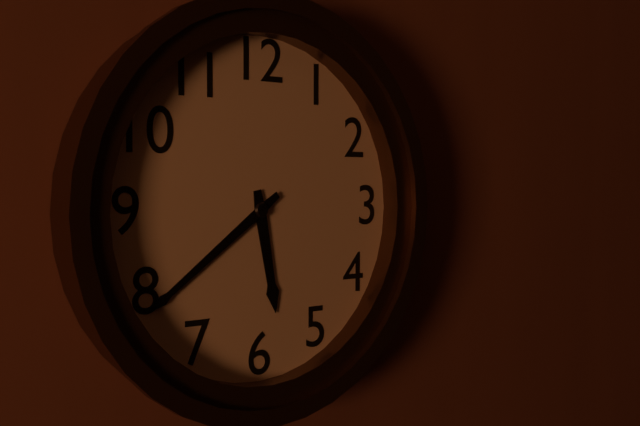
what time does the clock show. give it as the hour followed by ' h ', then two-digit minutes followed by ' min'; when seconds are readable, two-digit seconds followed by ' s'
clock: 5 h 39 min
